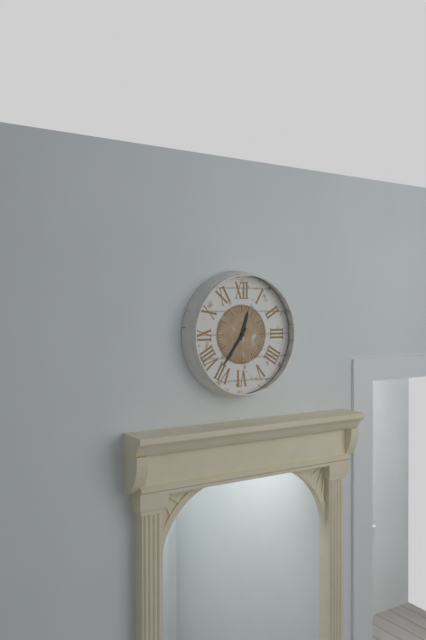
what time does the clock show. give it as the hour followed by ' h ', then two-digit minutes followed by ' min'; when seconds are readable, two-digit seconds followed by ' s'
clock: 12 h 36 min
